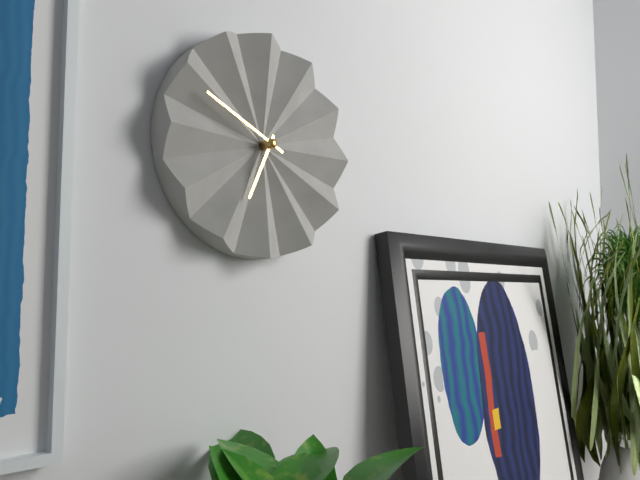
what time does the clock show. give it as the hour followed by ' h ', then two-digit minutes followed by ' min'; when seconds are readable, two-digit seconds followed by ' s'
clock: 6 h 49 min
